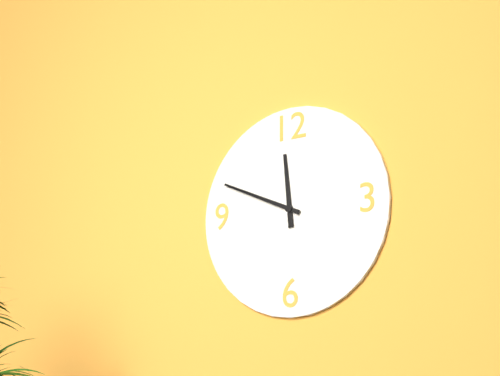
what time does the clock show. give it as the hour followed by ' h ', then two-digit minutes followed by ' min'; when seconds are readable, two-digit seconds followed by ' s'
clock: 11 h 49 min
